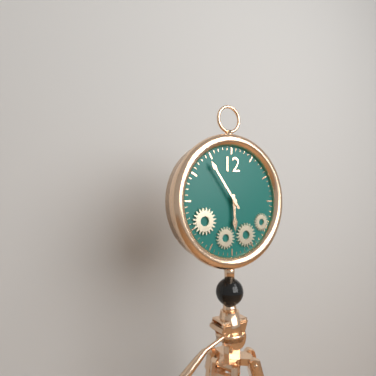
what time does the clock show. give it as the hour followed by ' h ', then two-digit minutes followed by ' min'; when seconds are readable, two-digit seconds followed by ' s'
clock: 5 h 54 min
